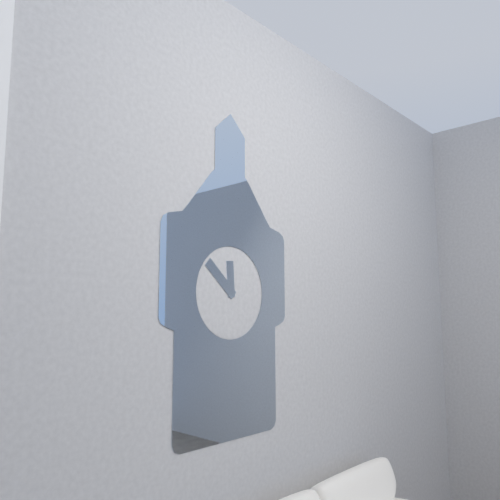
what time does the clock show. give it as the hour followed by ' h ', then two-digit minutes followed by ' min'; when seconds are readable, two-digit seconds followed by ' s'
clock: 11 h 52 min
